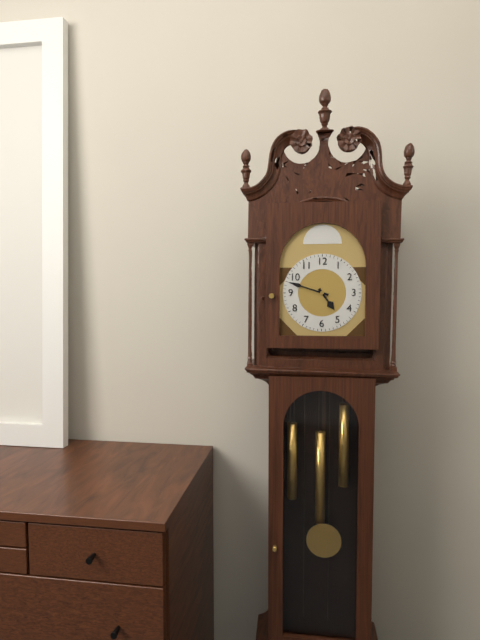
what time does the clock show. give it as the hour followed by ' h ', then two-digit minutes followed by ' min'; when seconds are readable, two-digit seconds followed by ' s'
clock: 4 h 48 min
